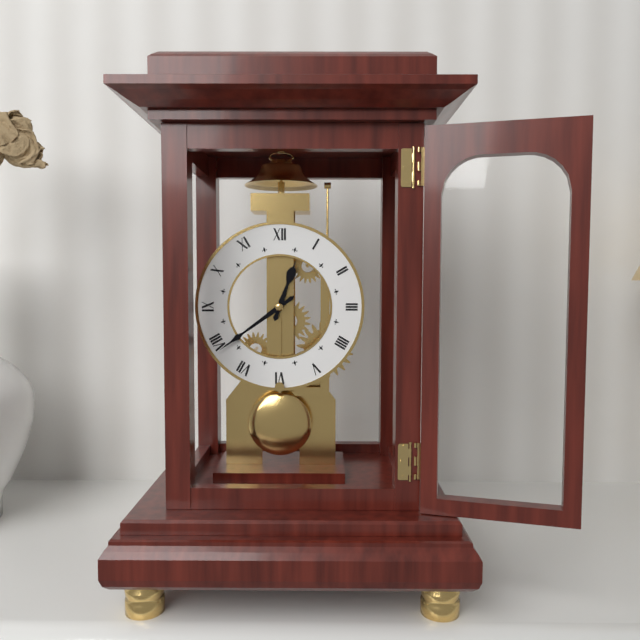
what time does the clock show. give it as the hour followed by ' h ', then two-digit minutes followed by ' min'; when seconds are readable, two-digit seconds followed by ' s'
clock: 12 h 39 min
